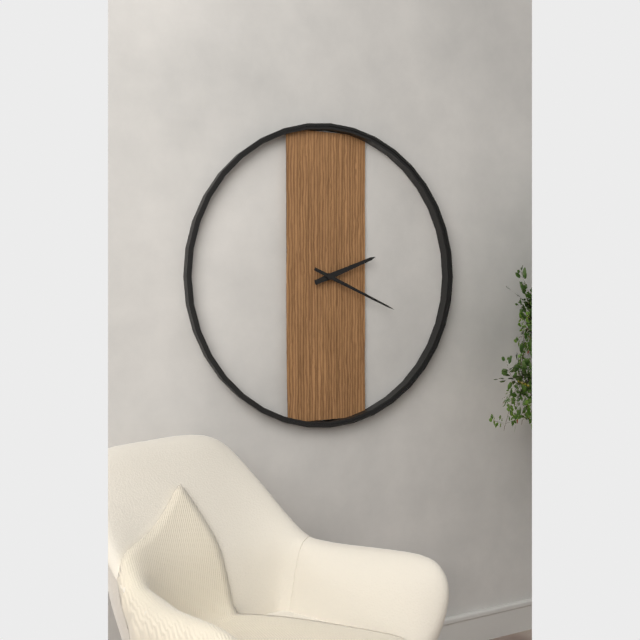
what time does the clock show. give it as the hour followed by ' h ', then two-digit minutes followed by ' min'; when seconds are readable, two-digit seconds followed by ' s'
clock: 2 h 19 min
